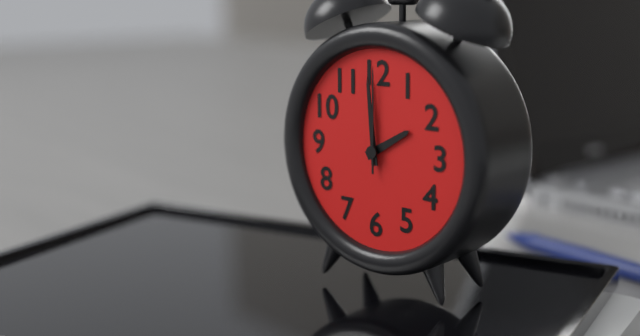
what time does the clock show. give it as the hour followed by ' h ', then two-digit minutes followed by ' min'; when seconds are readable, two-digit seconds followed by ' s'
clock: 1 h 59 min 00 s
